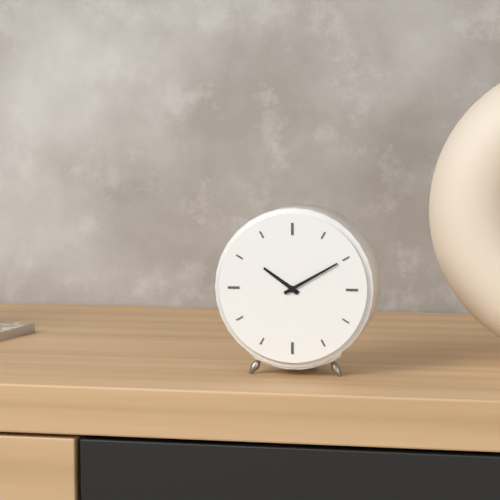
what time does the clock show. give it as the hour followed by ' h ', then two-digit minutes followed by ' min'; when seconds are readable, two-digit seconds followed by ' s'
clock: 10 h 10 min
